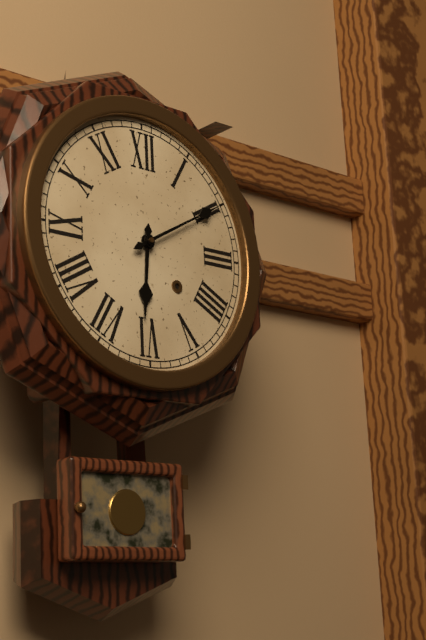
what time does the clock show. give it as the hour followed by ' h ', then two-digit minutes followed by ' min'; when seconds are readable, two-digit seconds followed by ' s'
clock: 6 h 10 min
